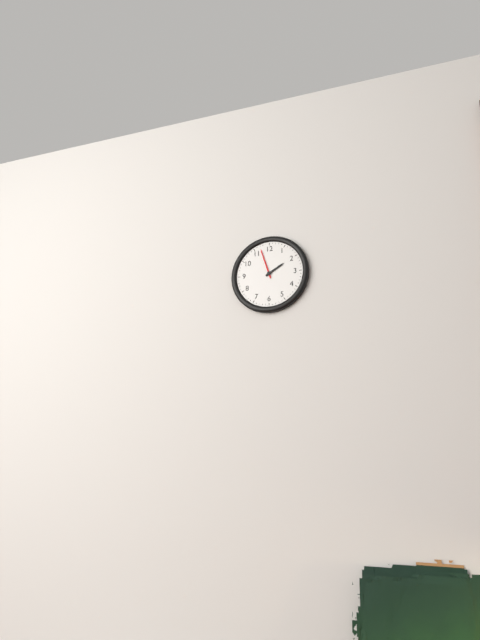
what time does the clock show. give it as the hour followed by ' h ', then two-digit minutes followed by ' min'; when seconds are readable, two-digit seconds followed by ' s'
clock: 1 h 57 min
